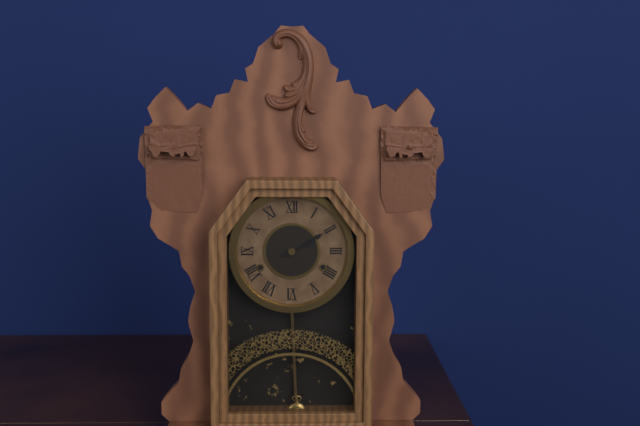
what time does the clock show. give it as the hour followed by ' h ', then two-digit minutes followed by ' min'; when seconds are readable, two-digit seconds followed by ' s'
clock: 2 h 10 min
